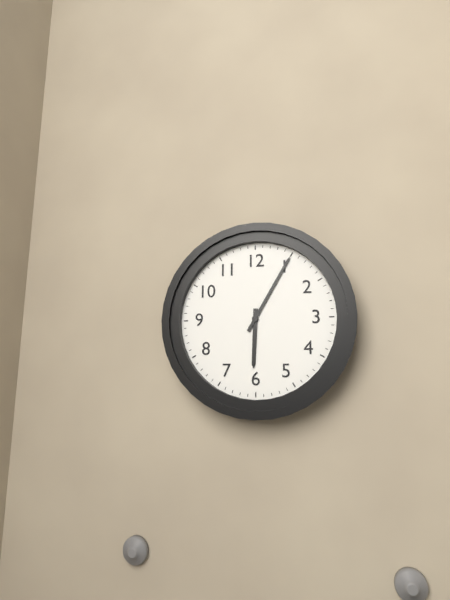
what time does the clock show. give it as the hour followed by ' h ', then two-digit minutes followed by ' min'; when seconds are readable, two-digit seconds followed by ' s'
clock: 6 h 05 min
